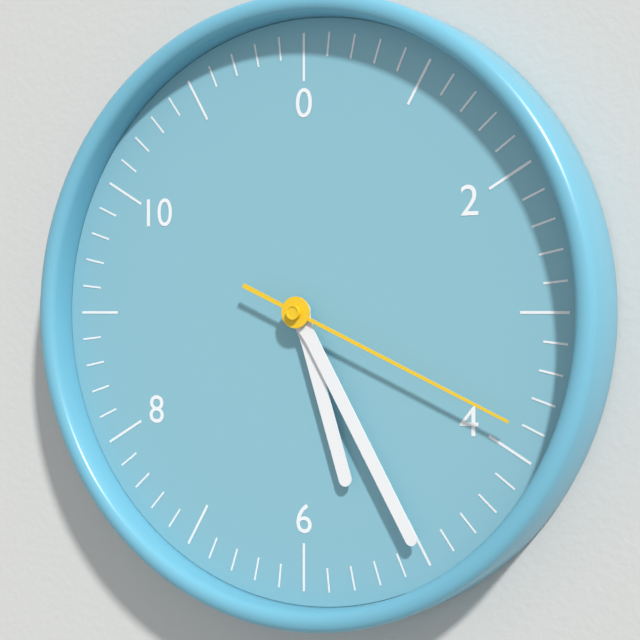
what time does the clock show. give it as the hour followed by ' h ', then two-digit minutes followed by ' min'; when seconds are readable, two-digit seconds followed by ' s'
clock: 5 h 25 min 19 s
